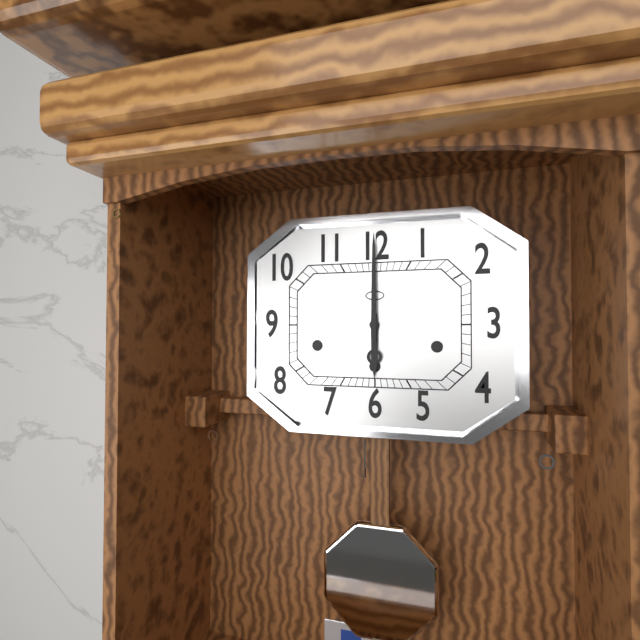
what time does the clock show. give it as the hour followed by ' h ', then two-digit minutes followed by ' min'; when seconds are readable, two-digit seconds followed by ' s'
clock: 6 h 00 min
